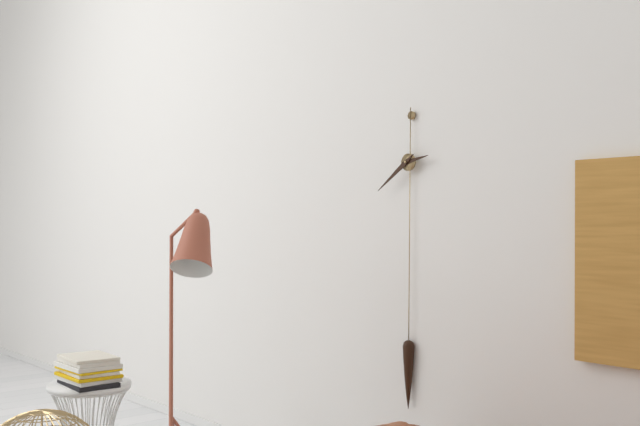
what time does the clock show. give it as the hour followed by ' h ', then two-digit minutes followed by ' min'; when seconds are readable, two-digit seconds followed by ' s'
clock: 2 h 39 min
